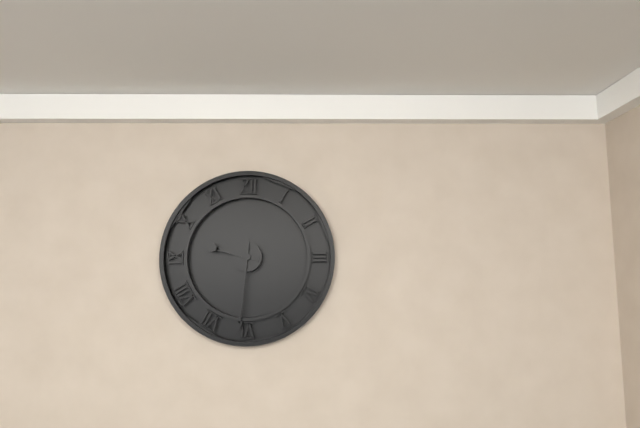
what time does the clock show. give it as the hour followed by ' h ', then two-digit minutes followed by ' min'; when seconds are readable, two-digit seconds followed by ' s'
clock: 9 h 31 min
